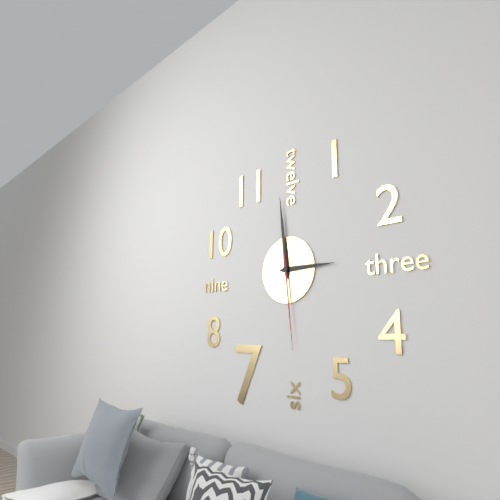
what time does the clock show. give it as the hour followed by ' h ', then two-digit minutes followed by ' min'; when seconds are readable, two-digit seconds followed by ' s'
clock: 2 h 59 min 29 s
